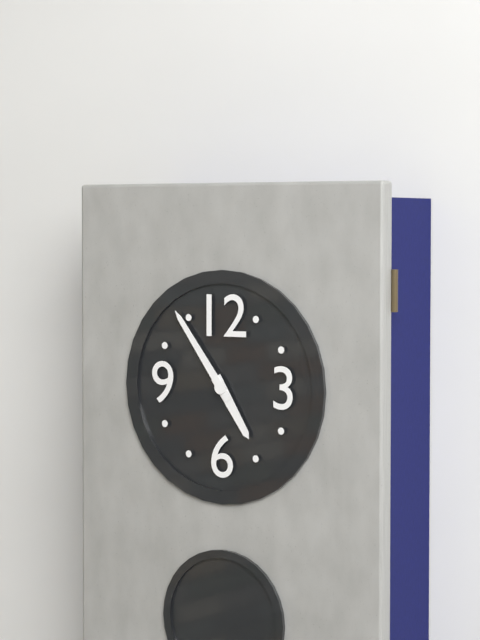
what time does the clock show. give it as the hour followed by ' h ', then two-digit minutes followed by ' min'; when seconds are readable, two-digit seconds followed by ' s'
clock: 4 h 54 min
